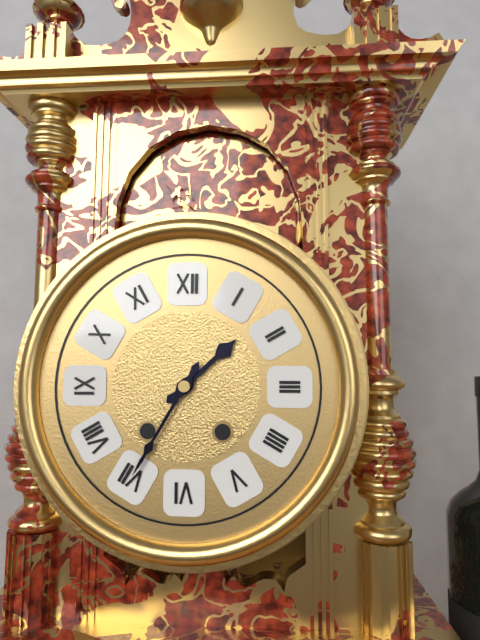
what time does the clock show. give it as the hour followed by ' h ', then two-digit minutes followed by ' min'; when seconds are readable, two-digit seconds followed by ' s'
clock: 1 h 35 min
